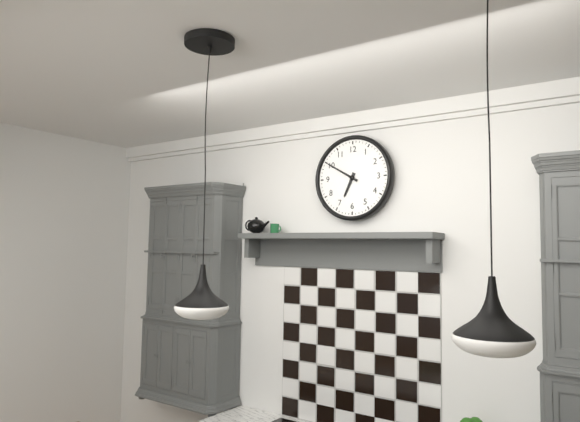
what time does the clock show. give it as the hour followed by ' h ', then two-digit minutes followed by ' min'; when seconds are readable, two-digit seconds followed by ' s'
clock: 6 h 50 min
